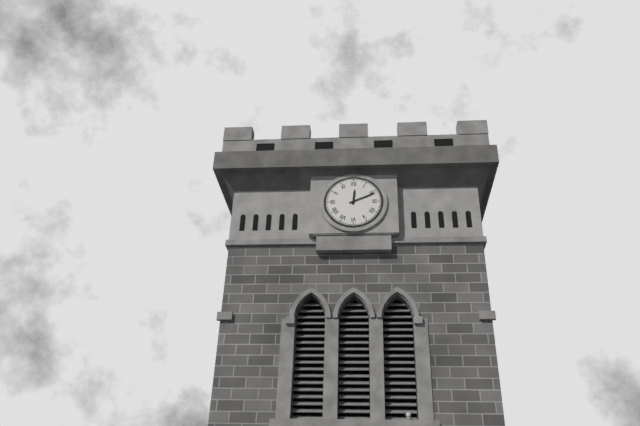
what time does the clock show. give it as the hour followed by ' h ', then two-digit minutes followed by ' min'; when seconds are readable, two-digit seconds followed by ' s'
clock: 12 h 11 min
